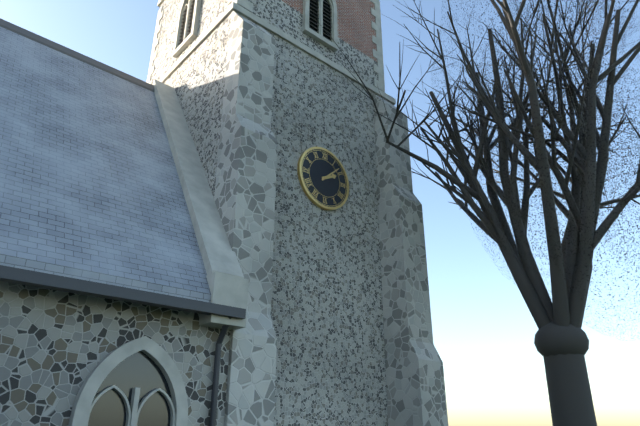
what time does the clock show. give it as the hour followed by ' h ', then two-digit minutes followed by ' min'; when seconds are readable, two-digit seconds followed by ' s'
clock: 2 h 08 min
